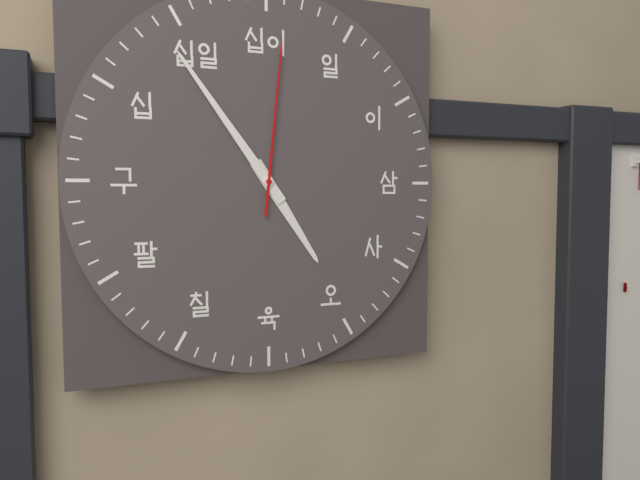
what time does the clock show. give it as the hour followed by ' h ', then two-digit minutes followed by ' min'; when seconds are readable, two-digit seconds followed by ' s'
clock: 4 h 54 min 01 s
